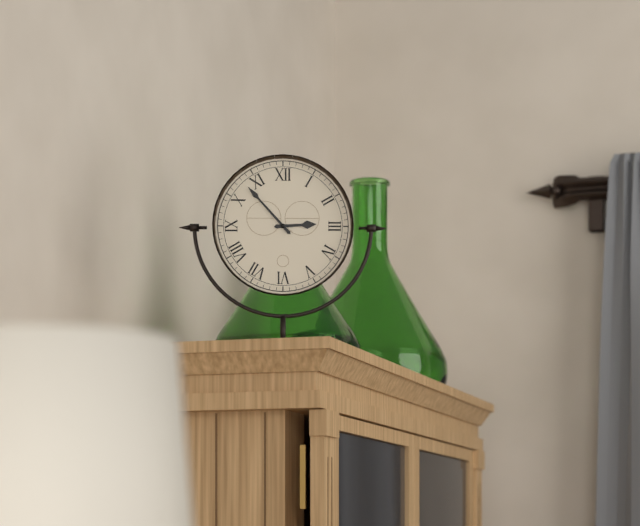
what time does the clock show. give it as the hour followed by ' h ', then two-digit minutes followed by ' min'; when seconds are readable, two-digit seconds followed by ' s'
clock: 2 h 53 min
